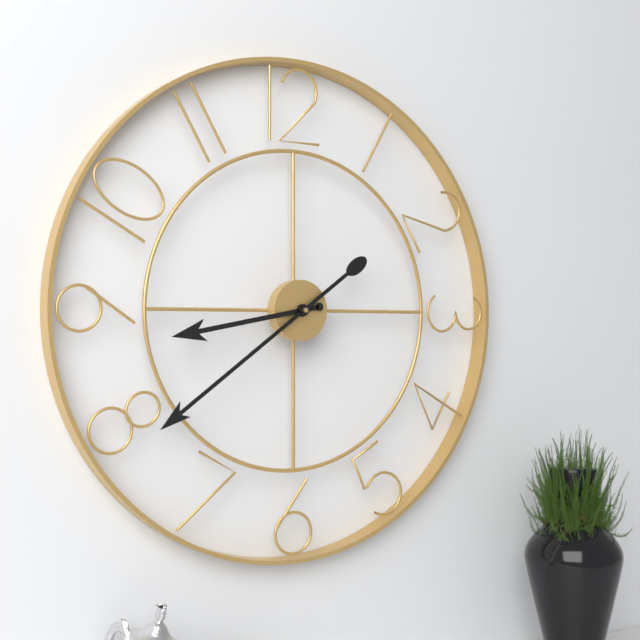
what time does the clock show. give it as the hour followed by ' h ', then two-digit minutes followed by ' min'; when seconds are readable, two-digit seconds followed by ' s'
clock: 8 h 39 min
